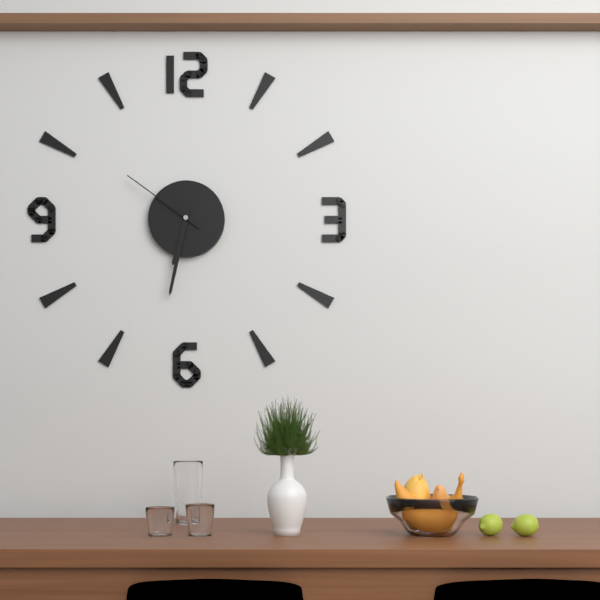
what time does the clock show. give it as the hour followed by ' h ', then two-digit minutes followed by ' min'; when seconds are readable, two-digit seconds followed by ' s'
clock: 6 h 32 min 51 s
